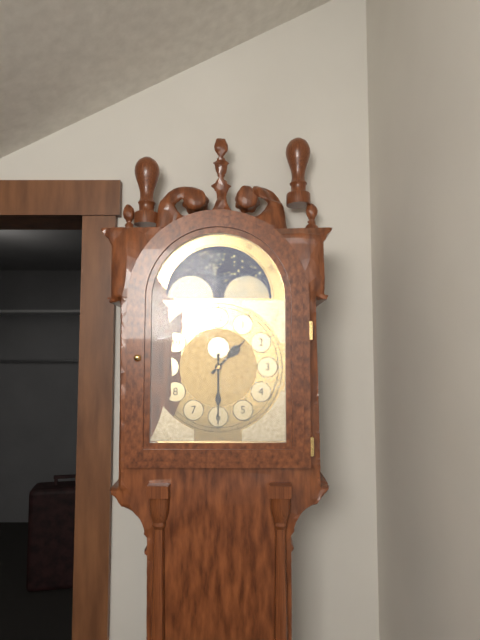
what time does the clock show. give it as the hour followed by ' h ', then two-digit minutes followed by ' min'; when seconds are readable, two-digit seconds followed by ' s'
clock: 1 h 30 min
